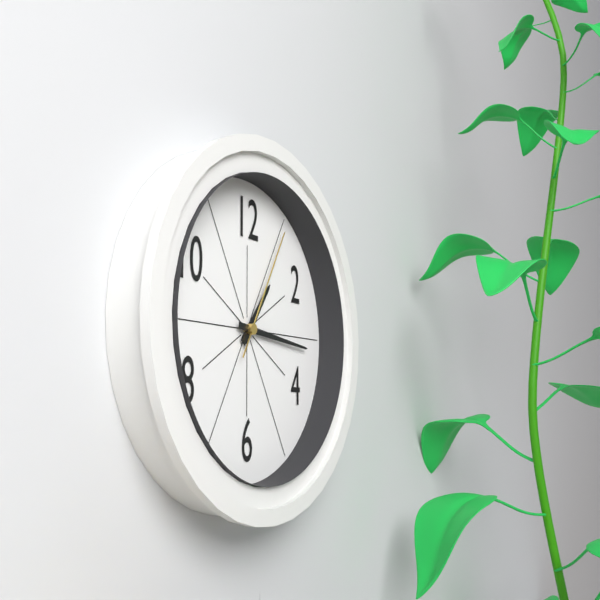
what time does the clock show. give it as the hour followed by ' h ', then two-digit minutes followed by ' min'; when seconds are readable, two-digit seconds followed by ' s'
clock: 1 h 16 min 05 s
